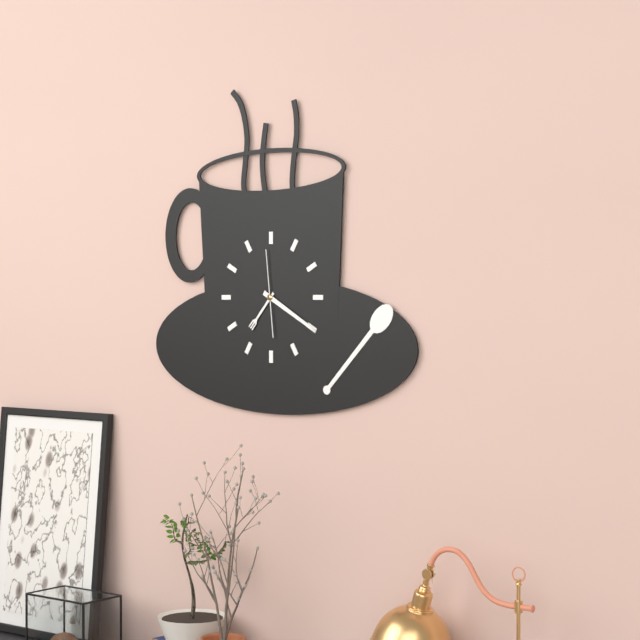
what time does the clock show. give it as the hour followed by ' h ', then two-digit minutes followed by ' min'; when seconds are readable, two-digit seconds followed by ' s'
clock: 7 h 20 min 59 s
